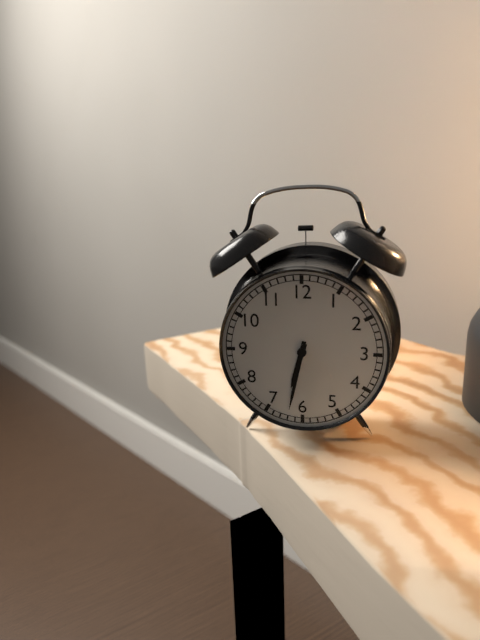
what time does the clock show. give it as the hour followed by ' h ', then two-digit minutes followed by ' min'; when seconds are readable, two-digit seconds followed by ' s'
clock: 6 h 32 min
